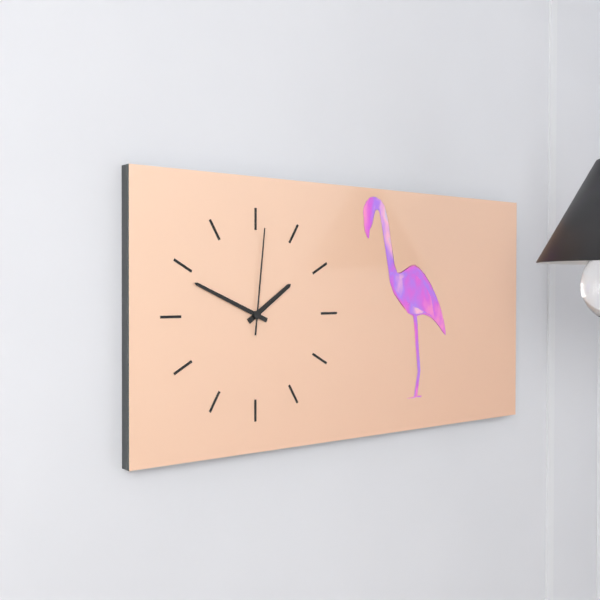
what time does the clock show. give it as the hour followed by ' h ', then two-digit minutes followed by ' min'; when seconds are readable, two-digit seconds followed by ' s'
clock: 1 h 49 min 01 s
